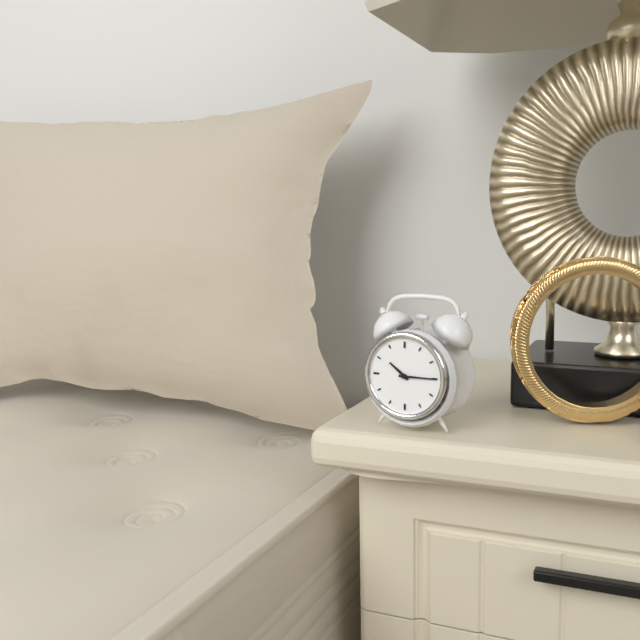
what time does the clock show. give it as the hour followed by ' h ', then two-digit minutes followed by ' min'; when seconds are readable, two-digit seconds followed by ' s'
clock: 10 h 15 min
